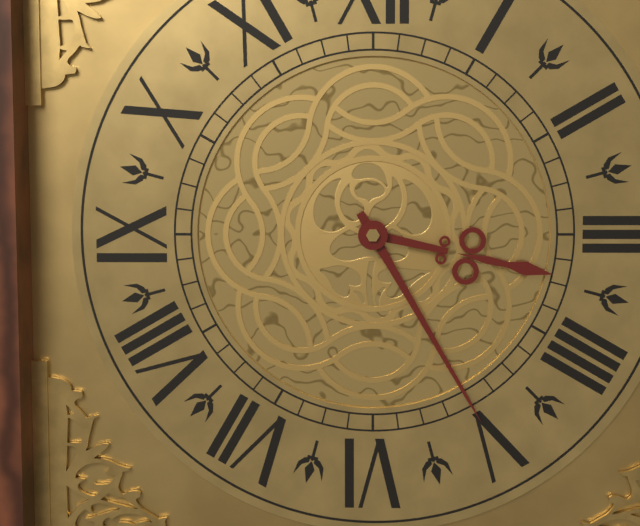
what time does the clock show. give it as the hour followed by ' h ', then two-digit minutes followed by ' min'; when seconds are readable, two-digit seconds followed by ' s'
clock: 3 h 25 min
